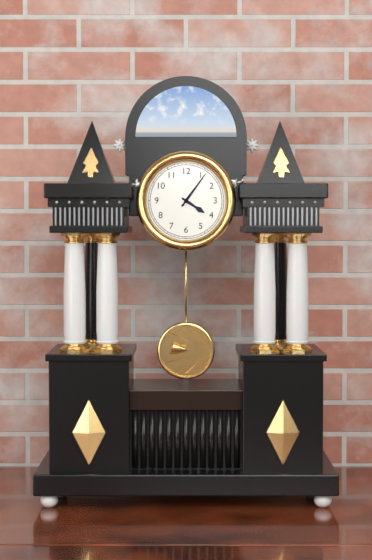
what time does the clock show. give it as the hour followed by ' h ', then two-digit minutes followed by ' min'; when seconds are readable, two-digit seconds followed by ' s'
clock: 4 h 06 min
